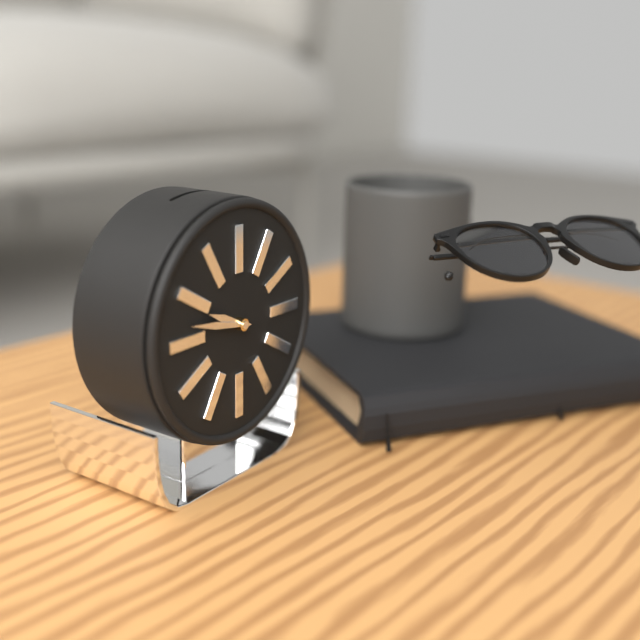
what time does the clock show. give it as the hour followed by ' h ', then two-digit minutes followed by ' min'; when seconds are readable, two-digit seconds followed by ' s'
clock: 9 h 47 min
